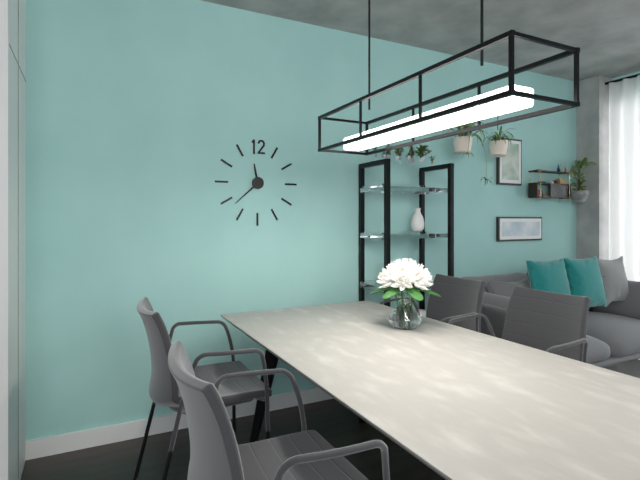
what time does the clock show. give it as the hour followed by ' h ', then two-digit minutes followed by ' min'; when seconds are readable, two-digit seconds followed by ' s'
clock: 11 h 38 min
